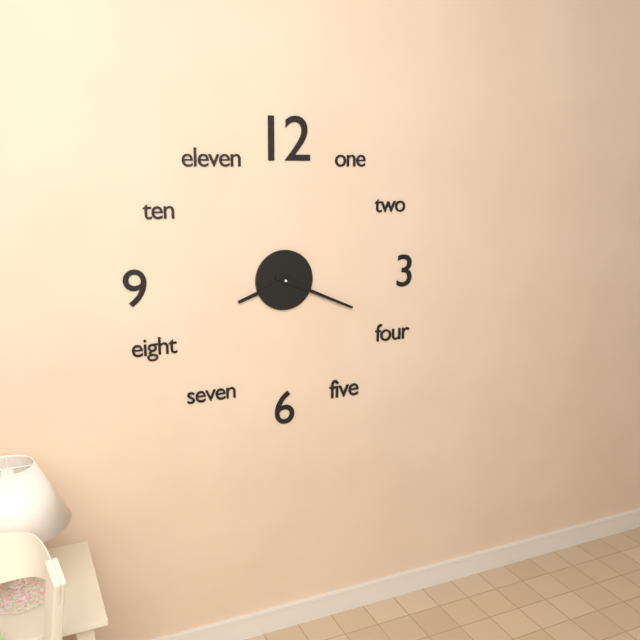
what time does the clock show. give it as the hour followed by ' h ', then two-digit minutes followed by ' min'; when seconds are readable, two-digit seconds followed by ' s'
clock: 8 h 19 min
